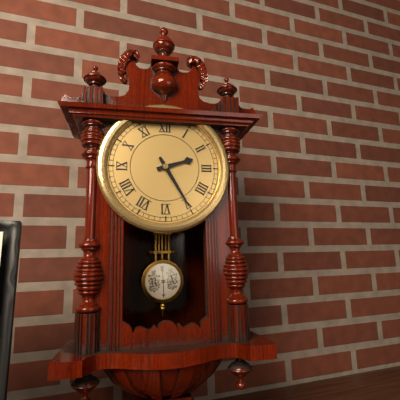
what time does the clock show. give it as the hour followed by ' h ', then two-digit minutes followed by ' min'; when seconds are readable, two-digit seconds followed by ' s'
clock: 2 h 25 min
